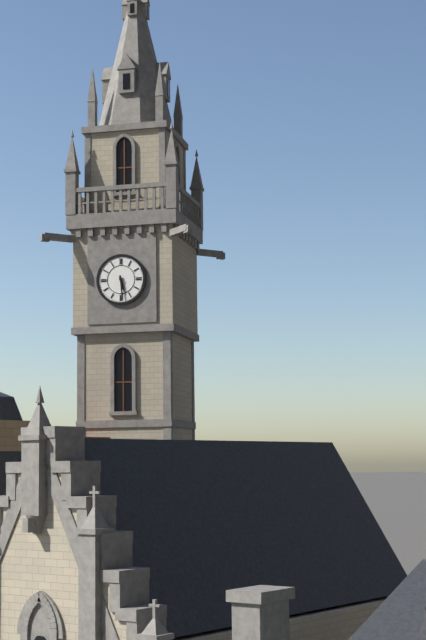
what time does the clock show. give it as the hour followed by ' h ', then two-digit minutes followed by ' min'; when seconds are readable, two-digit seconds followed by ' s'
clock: 5 h 29 min
